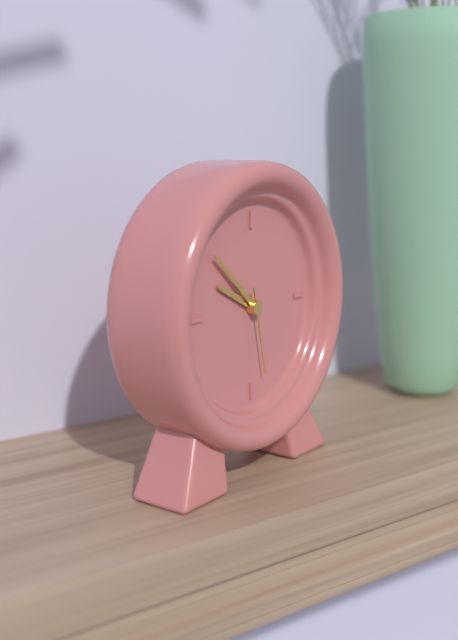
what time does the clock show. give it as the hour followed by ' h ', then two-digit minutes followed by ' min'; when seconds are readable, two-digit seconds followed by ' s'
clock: 9 h 52 min 28 s
